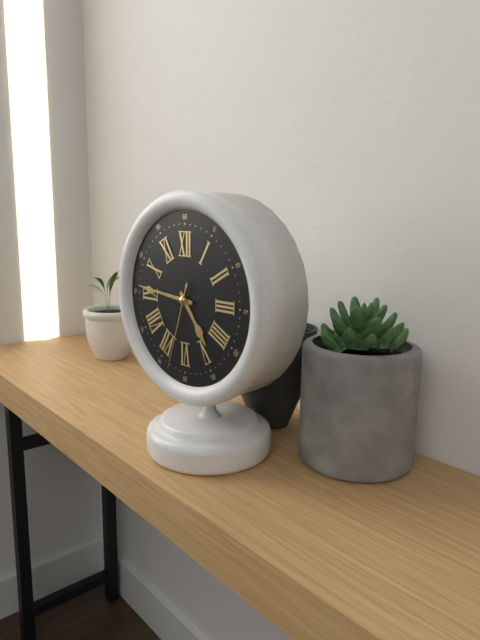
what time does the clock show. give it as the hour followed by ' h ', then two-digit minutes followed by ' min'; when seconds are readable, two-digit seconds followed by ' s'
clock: 4 h 46 min 33 s
